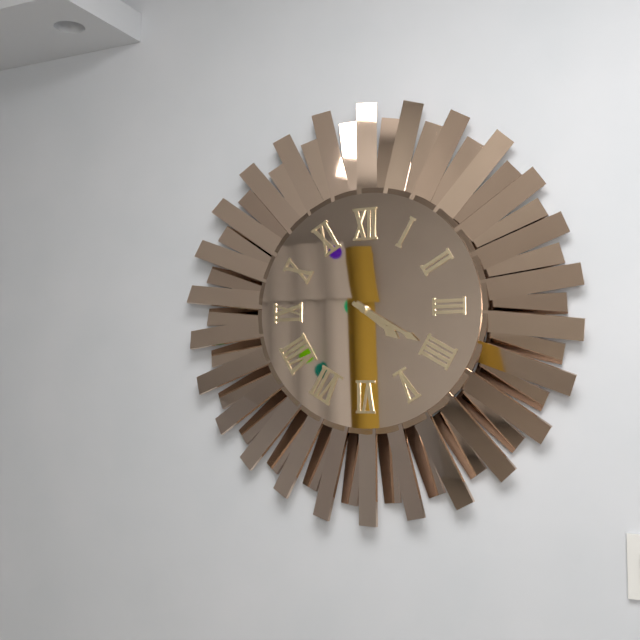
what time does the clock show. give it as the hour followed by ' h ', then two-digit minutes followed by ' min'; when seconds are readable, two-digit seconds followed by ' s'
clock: 4 h 20 min
